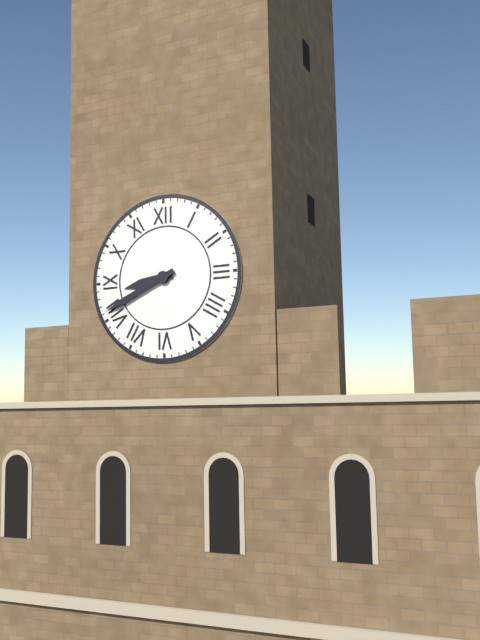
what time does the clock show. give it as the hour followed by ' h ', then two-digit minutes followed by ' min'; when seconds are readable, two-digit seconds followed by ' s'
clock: 8 h 41 min
